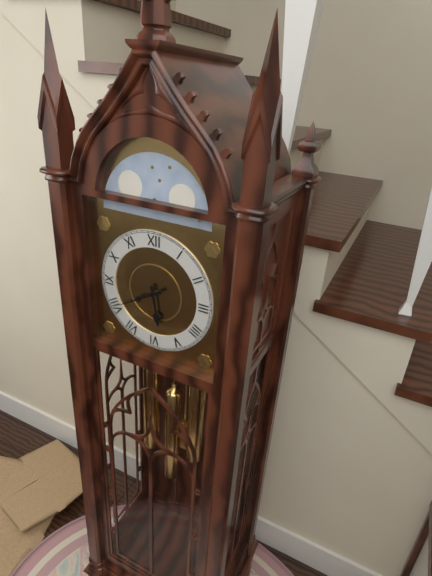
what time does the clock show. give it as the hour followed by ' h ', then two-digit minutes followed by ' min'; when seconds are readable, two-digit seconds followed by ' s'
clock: 5 h 40 min
